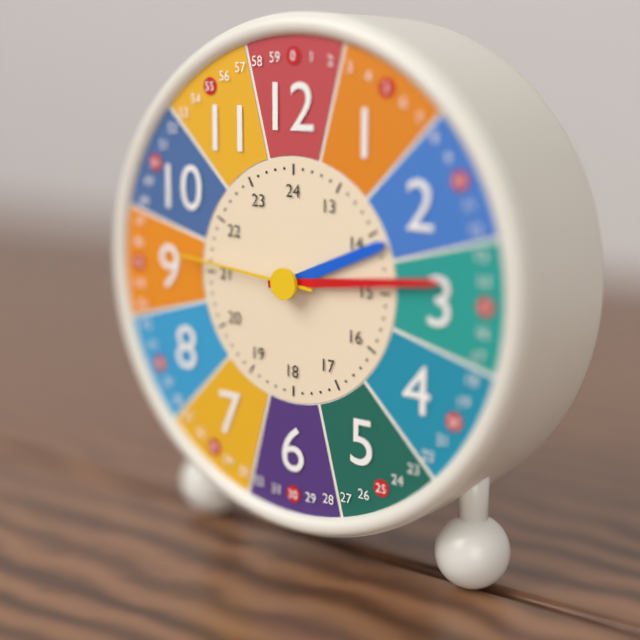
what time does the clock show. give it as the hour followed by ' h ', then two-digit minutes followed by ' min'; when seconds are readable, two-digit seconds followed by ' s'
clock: 2 h 14 min 46 s
